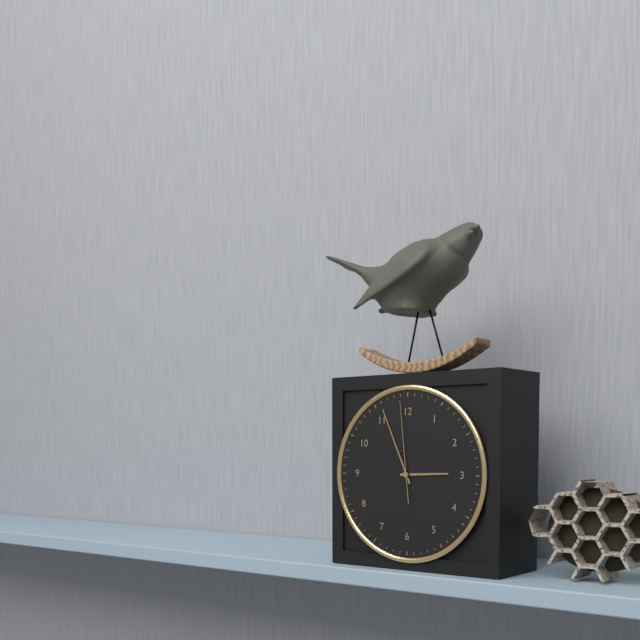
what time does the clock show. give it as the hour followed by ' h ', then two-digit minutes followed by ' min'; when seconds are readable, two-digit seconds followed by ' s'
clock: 2 h 56 min 59 s
